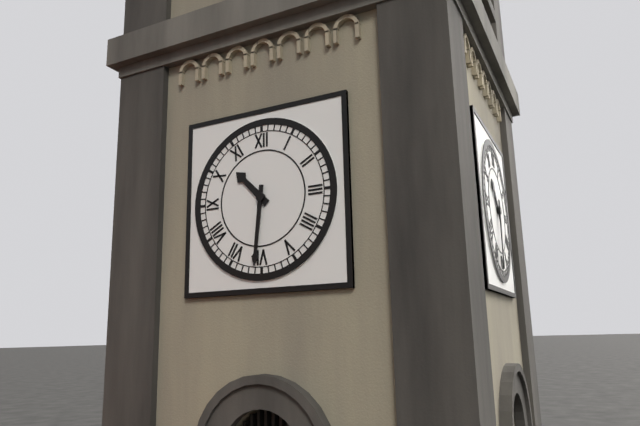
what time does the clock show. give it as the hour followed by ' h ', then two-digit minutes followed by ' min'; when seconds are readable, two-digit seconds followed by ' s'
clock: 10 h 31 min
